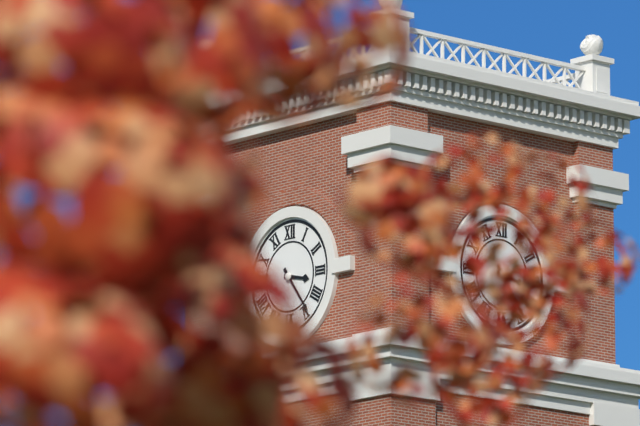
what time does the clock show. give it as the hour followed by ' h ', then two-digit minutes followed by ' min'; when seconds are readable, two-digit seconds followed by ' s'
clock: 3 h 24 min
